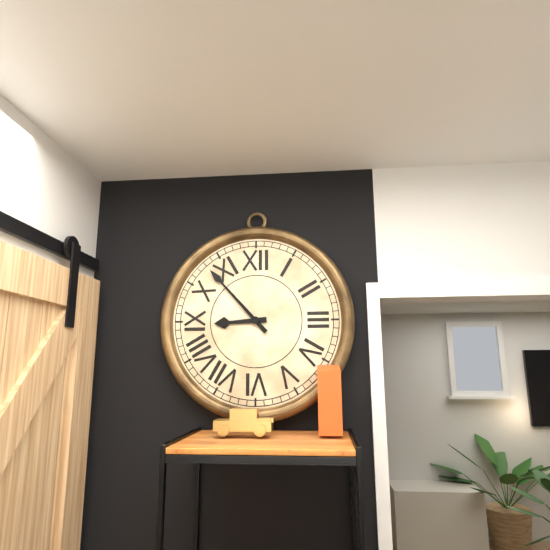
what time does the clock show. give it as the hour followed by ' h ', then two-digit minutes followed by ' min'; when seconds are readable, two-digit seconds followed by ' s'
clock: 8 h 53 min
